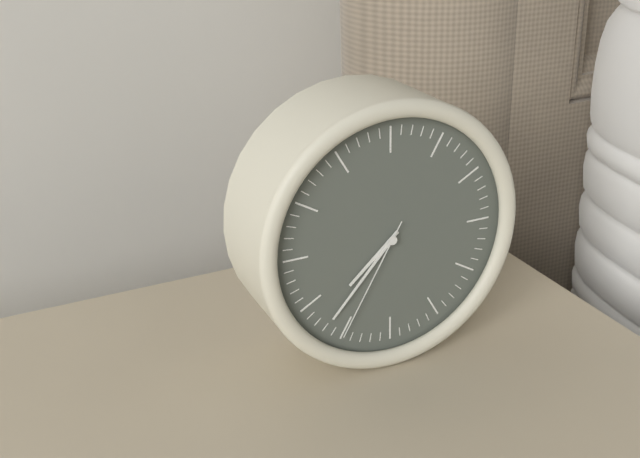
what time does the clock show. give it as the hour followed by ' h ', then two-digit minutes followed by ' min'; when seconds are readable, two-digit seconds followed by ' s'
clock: 7 h 37 min 35 s
